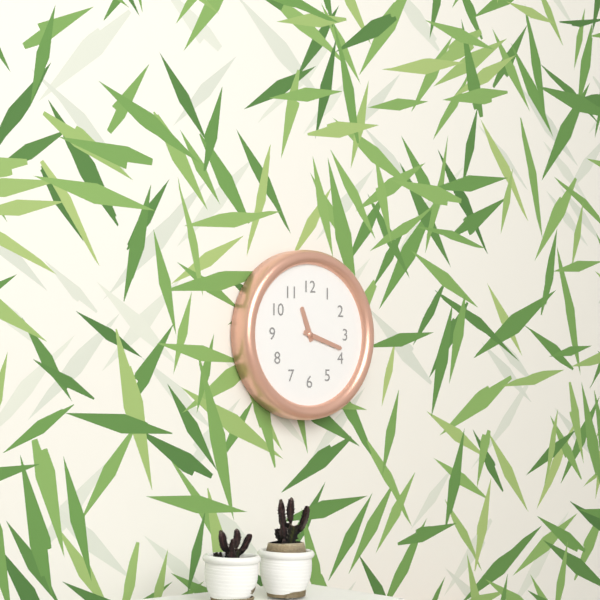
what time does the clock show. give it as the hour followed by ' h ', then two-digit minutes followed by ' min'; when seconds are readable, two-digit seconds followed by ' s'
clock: 11 h 18 min
